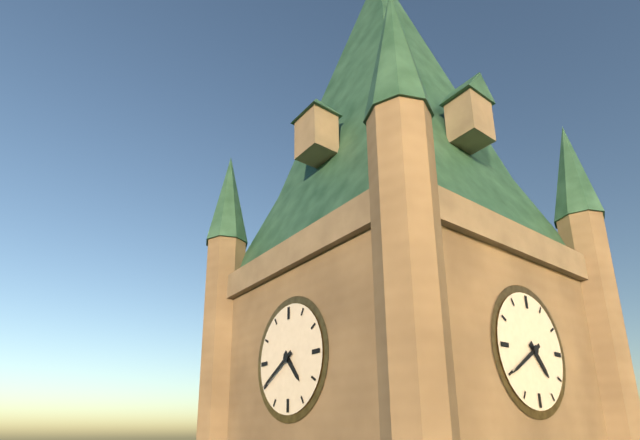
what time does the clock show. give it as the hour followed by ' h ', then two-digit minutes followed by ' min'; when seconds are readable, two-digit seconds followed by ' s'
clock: 4 h 40 min
